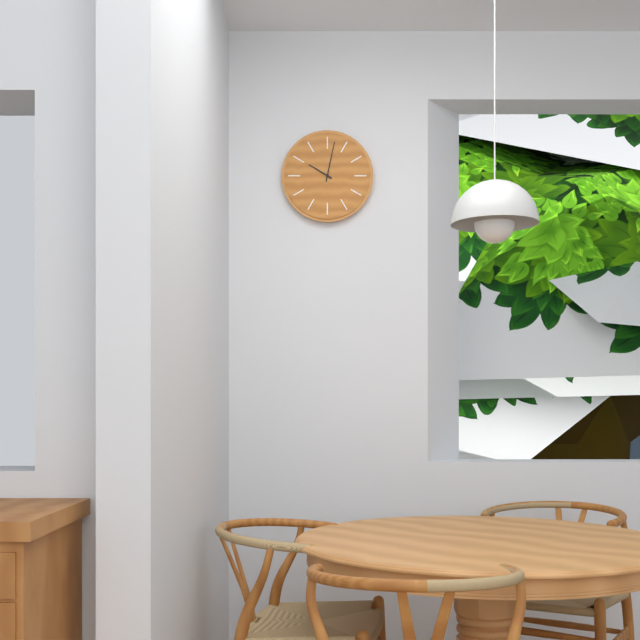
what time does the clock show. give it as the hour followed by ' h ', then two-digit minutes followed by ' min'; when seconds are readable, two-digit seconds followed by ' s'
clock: 10 h 02 min
